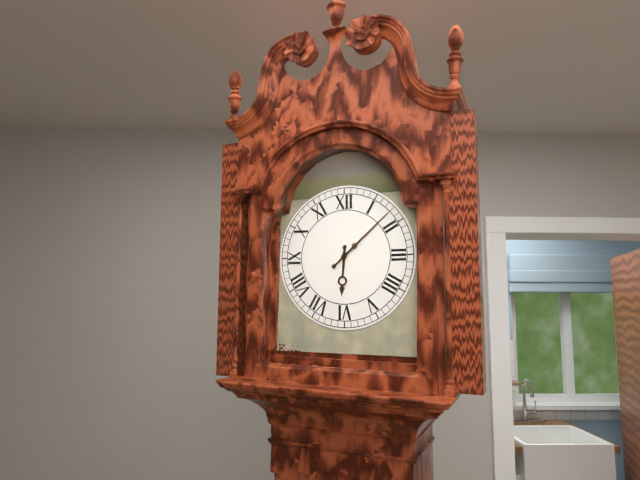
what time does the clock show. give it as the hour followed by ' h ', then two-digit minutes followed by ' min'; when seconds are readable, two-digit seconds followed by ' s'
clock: 6 h 08 min
